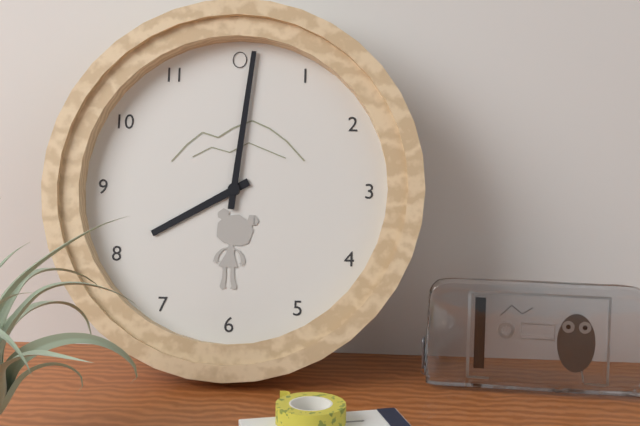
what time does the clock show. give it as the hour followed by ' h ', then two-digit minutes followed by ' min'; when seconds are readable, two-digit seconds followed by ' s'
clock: 8 h 01 min
